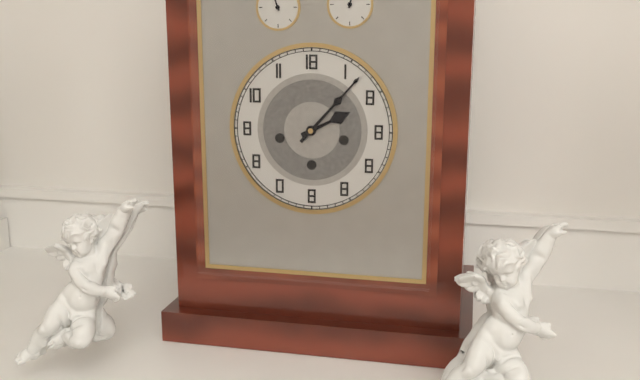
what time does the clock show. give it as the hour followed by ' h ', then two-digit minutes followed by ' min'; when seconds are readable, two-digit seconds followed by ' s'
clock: 2 h 07 min
